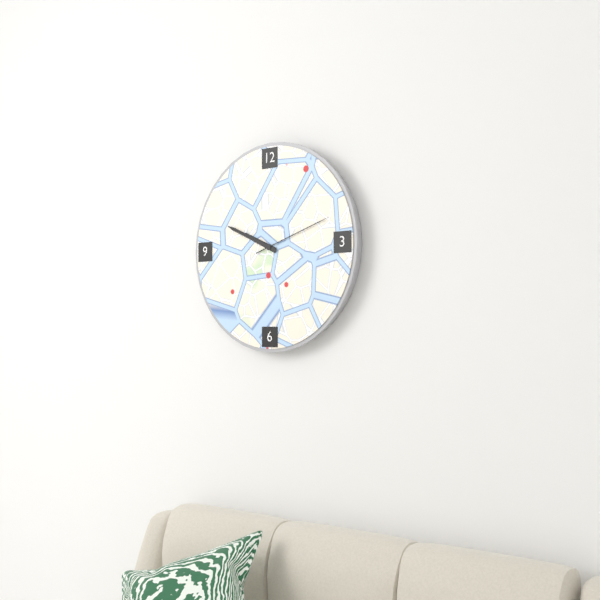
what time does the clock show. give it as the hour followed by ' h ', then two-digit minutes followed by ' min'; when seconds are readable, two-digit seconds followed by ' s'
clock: 9 h 49 min 12 s
